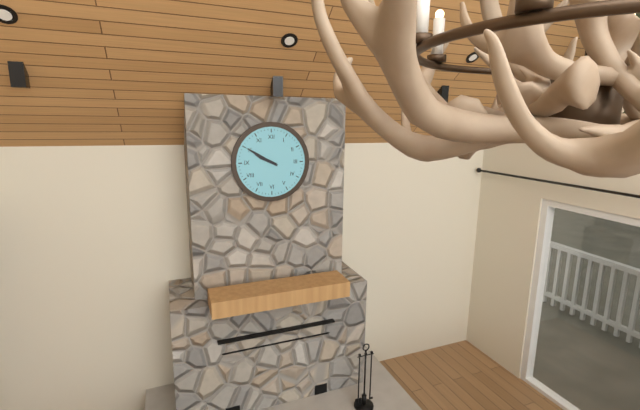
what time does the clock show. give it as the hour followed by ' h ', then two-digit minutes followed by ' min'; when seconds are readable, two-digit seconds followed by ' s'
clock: 9 h 50 min
